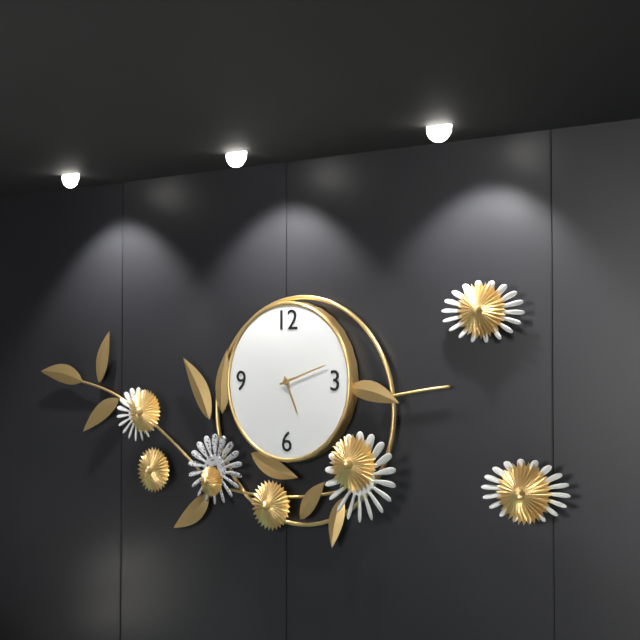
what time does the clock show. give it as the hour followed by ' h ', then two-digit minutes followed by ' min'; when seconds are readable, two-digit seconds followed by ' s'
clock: 5 h 12 min
